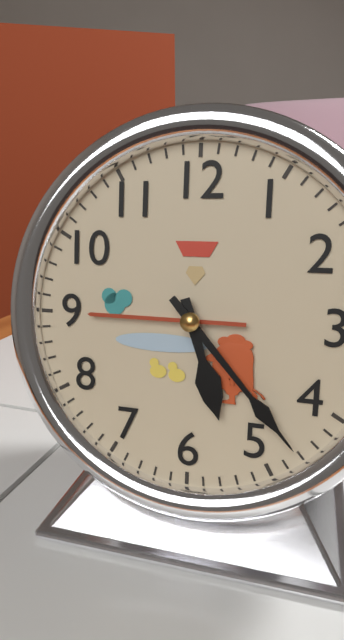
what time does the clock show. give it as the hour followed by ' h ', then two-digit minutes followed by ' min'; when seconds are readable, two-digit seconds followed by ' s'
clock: 5 h 23 min
